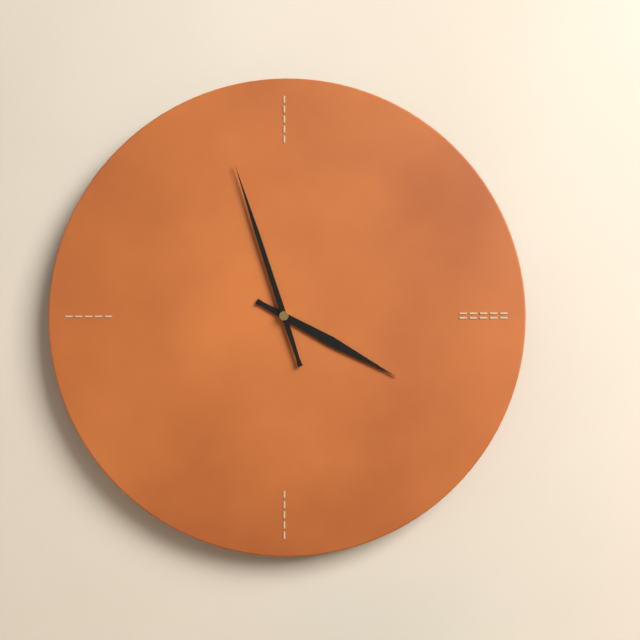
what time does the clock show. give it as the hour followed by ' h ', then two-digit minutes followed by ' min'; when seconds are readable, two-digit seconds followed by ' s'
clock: 3 h 57 min
